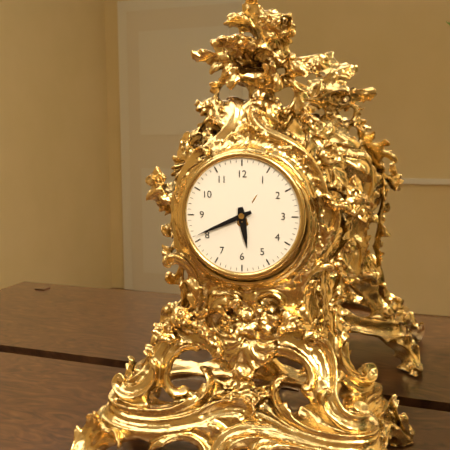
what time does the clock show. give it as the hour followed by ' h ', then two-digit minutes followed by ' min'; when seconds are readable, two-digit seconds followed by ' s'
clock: 5 h 41 min
